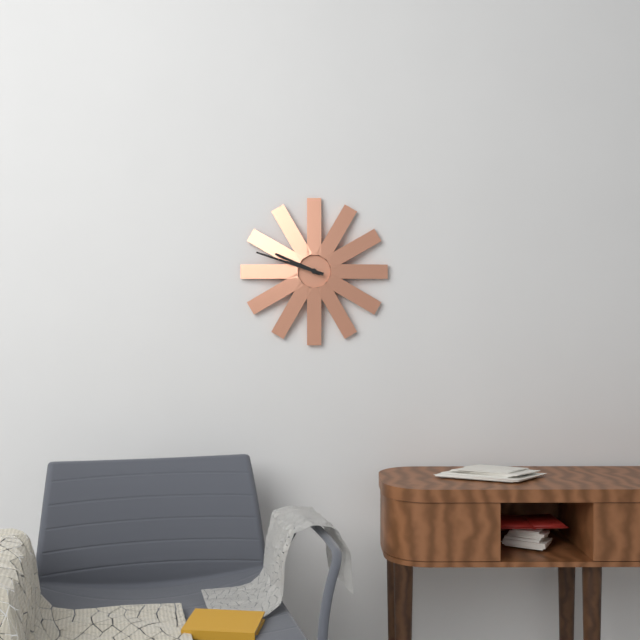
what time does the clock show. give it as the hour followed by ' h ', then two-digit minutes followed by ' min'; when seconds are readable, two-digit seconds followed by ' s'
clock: 9 h 48 min
